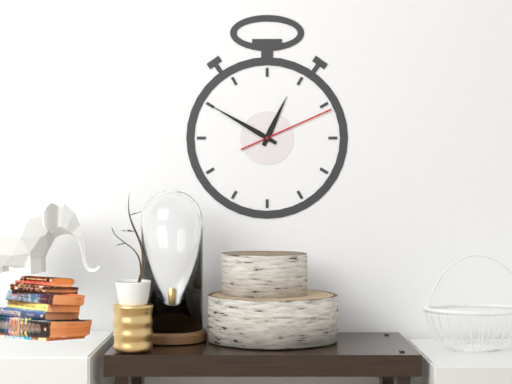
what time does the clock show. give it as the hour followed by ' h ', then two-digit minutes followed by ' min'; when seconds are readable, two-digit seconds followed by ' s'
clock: 12 h 50 min 11 s
